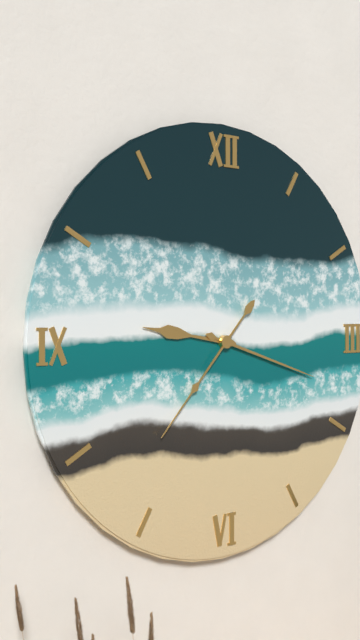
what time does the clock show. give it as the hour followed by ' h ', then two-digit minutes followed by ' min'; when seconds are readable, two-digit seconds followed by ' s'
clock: 9 h 18 min 37 s
